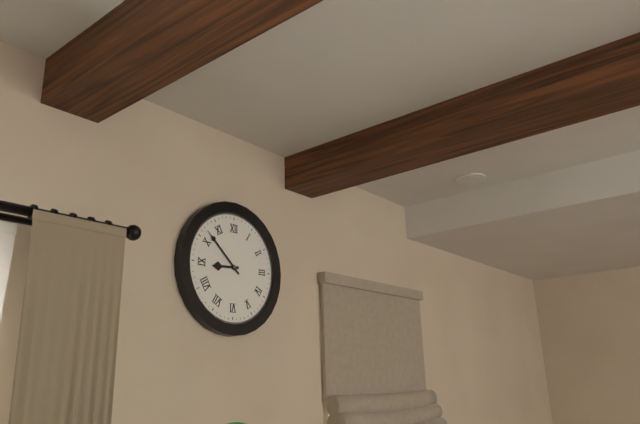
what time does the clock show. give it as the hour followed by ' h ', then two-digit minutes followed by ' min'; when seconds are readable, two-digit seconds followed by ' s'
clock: 8 h 52 min
